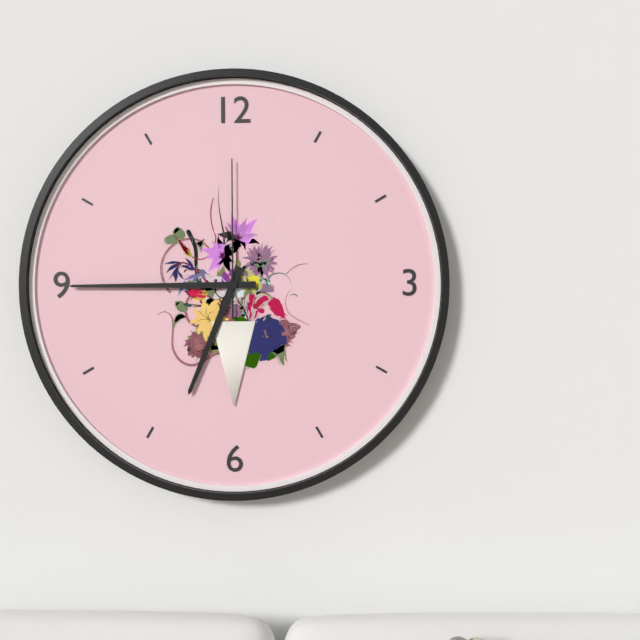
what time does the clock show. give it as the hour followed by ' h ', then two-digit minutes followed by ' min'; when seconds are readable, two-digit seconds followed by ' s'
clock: 6 h 45 min 00 s
